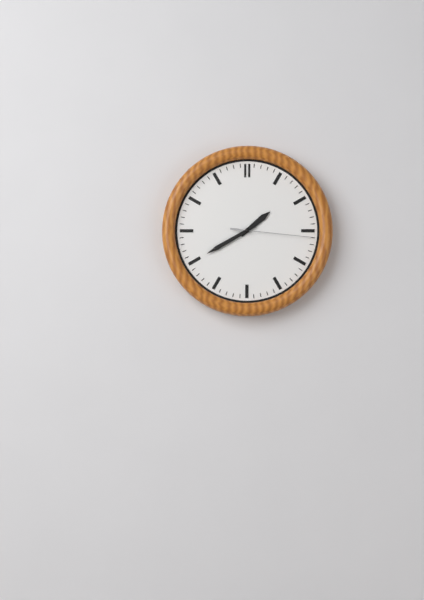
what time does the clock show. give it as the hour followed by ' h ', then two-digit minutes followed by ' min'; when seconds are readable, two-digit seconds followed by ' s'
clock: 1 h 40 min 16 s
